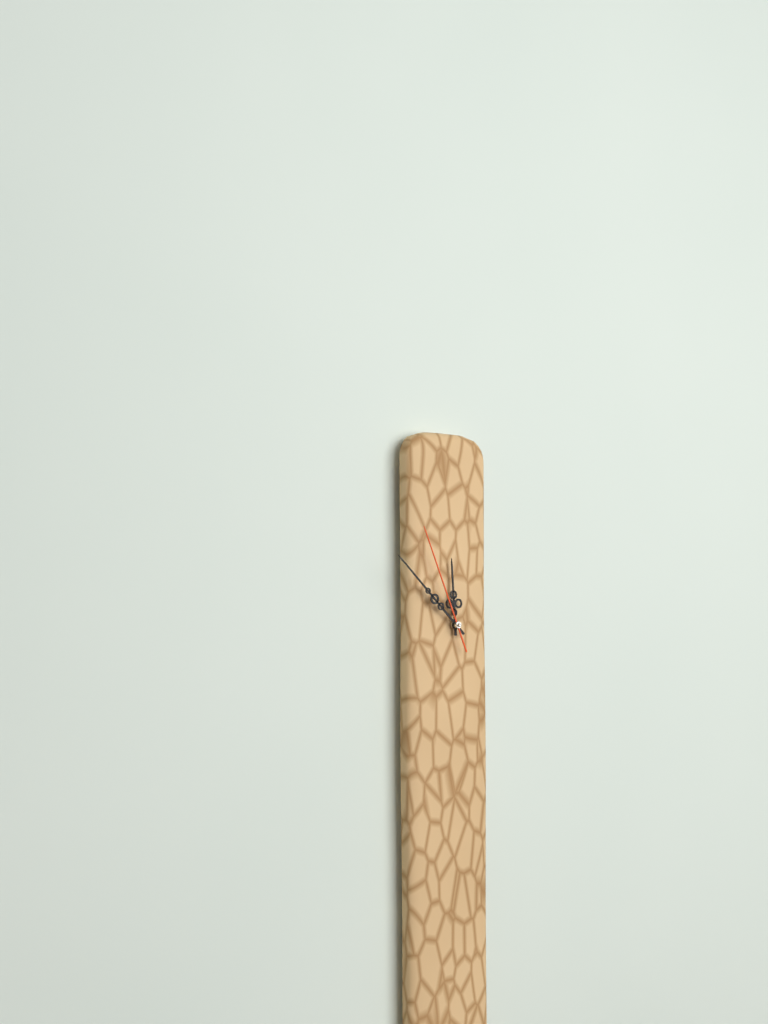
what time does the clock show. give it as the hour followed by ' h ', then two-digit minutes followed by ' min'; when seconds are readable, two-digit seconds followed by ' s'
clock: 11 h 52 min 56 s
